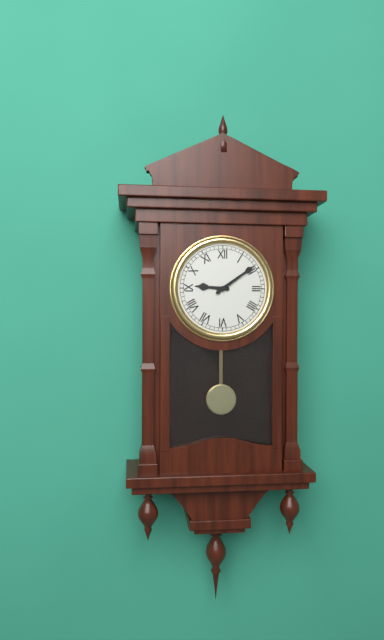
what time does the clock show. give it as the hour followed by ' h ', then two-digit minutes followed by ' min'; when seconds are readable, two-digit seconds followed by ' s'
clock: 9 h 09 min
